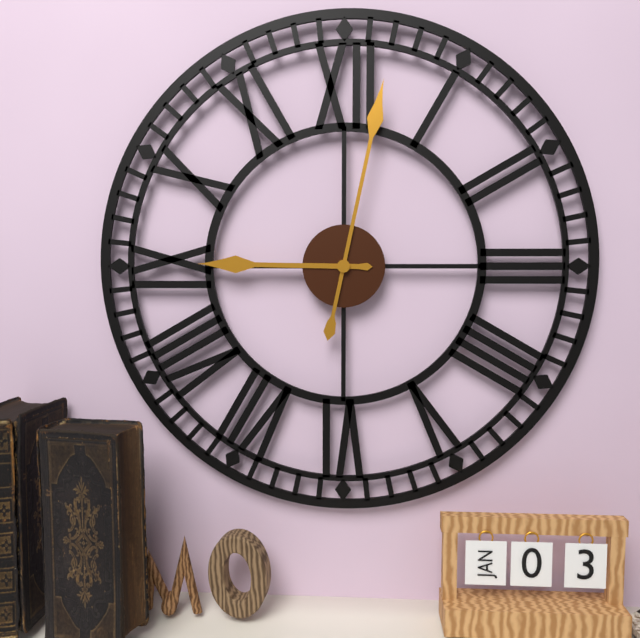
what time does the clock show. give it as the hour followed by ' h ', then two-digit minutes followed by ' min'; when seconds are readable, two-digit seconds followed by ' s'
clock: 9 h 02 min
